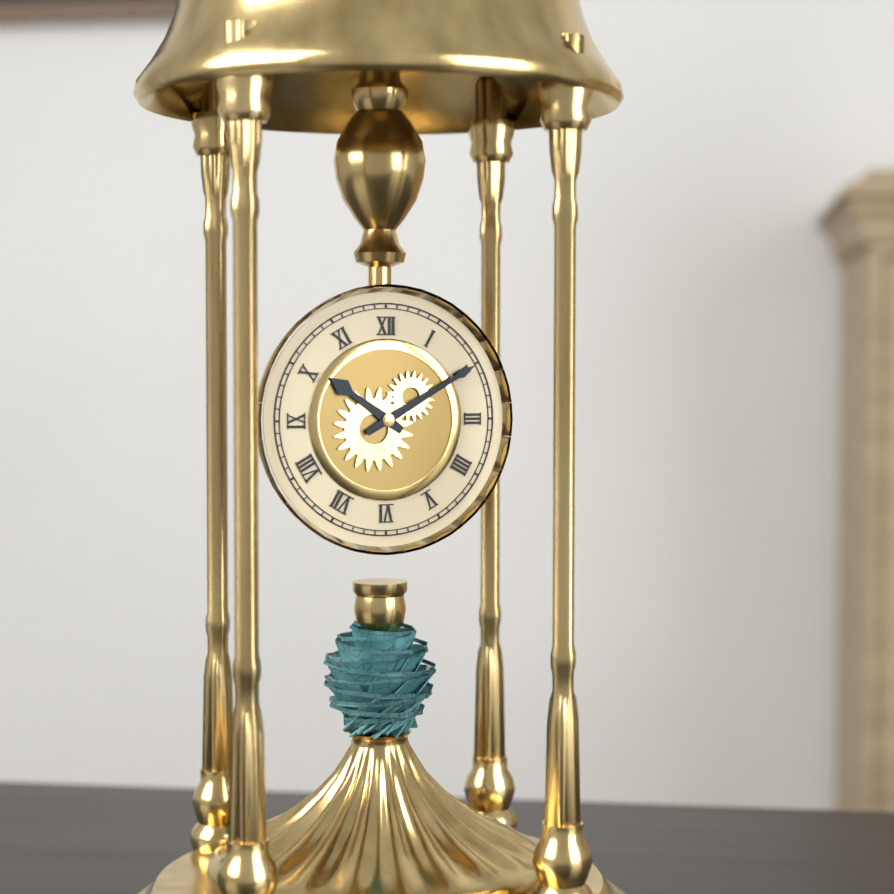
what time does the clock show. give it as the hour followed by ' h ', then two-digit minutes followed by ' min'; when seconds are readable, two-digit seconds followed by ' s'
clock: 10 h 10 min
